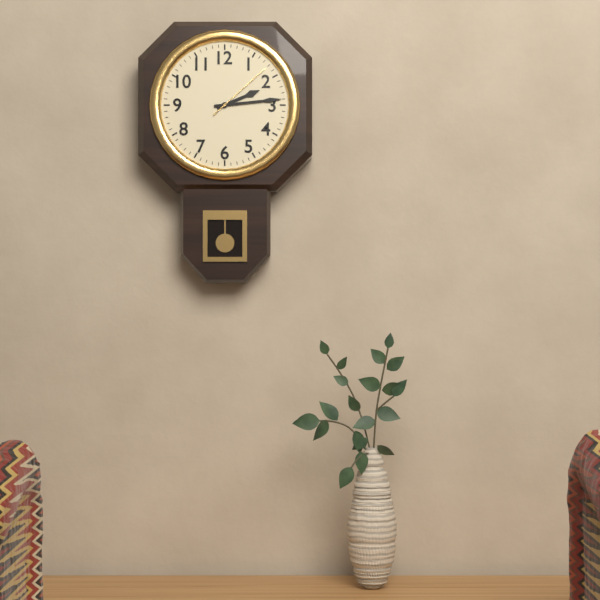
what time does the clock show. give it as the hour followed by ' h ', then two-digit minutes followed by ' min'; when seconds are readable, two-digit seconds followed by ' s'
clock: 2 h 14 min 08 s
